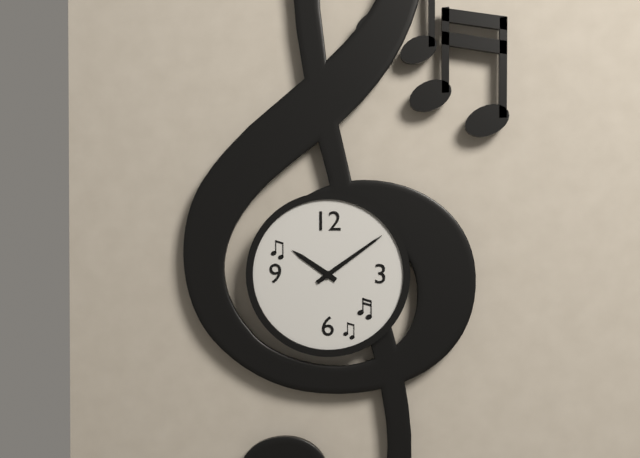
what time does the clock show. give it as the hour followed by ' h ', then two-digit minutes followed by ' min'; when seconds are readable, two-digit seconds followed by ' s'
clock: 10 h 09 min
